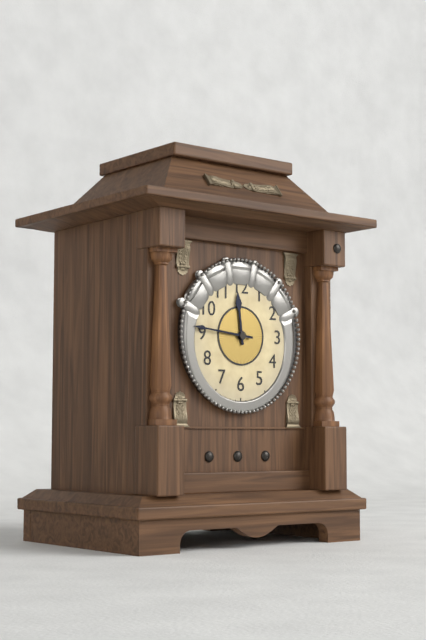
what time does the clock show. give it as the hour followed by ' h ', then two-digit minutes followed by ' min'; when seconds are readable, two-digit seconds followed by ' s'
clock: 11 h 46 min
